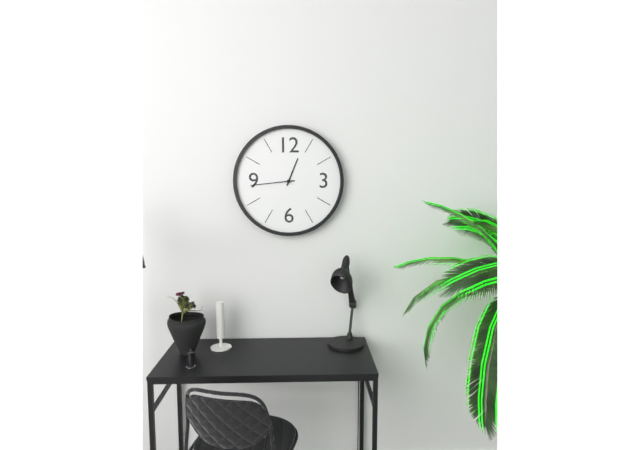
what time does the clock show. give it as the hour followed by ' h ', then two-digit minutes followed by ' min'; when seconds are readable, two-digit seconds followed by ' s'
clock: 12 h 44 min
